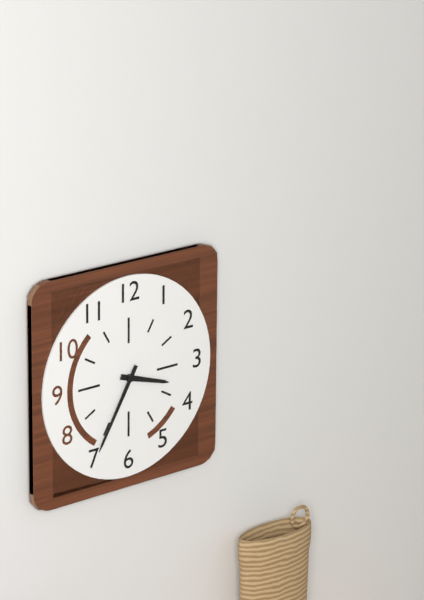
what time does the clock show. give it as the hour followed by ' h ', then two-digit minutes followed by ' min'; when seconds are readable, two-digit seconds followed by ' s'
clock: 3 h 35 min
